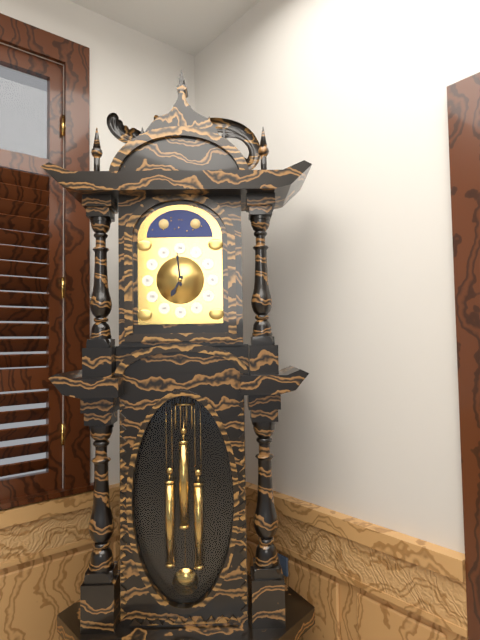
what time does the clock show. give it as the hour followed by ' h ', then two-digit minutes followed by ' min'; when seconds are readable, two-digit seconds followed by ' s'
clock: 6 h 59 min
